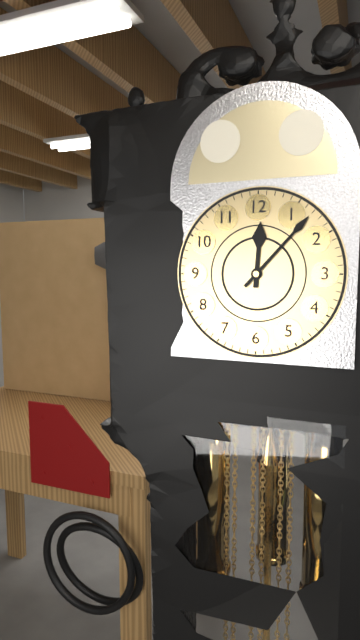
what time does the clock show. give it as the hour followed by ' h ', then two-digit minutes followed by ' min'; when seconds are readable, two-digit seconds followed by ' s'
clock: 12 h 07 min
